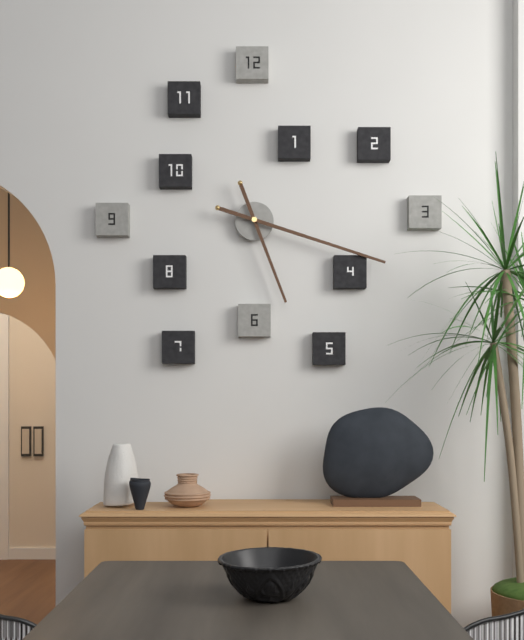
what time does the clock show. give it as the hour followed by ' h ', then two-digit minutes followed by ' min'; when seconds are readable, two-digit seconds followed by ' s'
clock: 5 h 18 min
